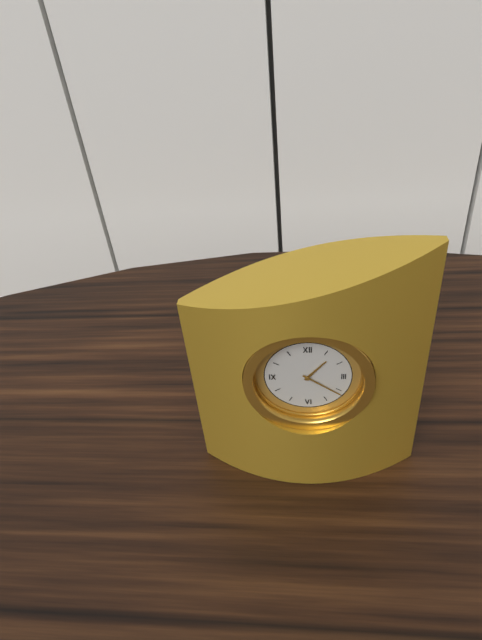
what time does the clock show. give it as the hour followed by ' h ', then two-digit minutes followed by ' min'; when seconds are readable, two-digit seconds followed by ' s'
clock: 1 h 21 min
